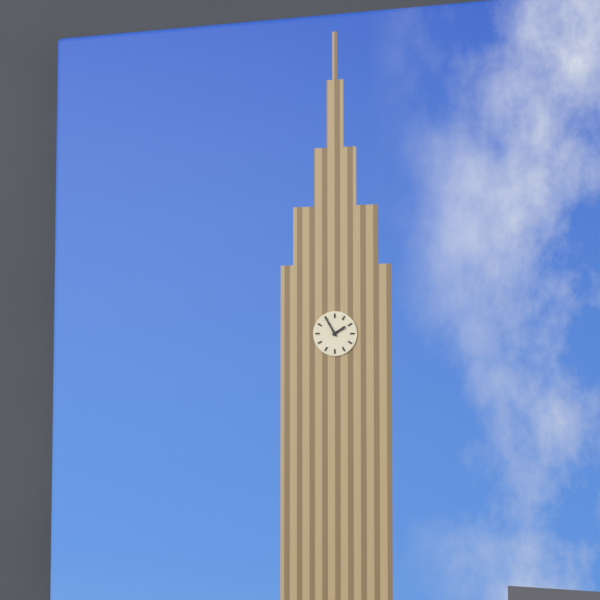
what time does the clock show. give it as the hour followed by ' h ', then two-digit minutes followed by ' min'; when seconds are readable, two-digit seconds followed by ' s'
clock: 1 h 55 min
